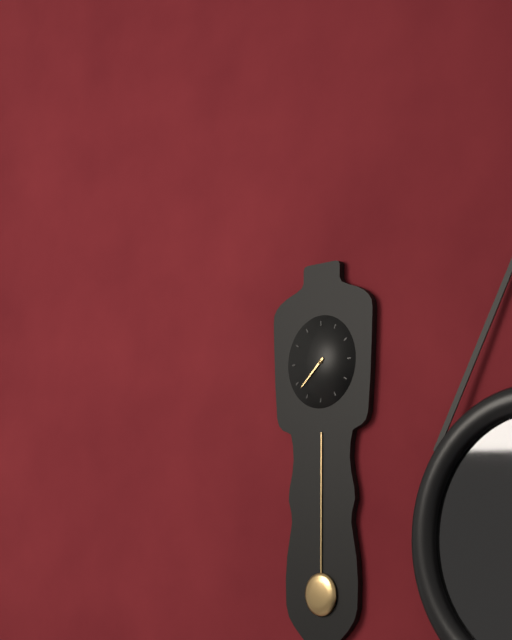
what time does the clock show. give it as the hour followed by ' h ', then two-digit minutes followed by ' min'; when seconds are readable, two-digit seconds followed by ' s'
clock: 7 h 38 min
